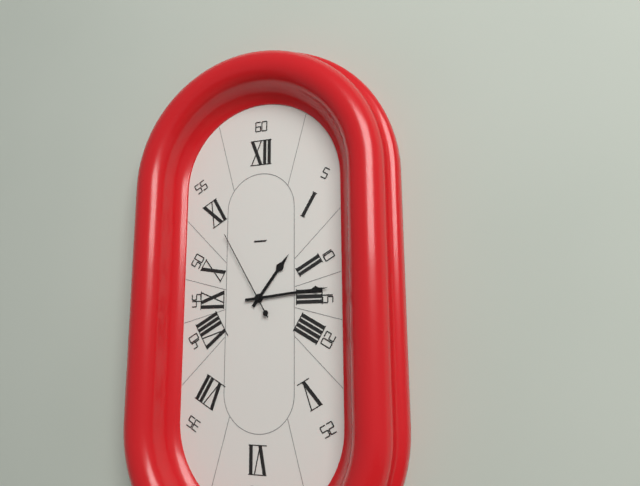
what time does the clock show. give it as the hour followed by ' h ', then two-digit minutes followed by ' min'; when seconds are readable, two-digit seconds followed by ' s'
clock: 1 h 14 min 55 s
